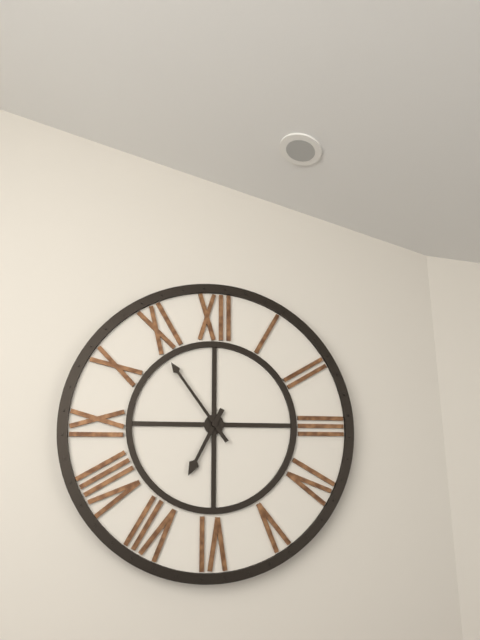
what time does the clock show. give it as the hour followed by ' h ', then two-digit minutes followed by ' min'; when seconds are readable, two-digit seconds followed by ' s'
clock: 6 h 54 min
